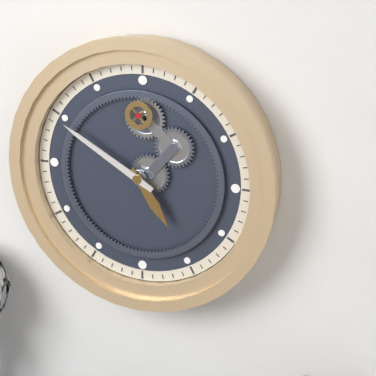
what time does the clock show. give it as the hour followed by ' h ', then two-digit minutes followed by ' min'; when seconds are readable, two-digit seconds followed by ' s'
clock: 4 h 50 min
